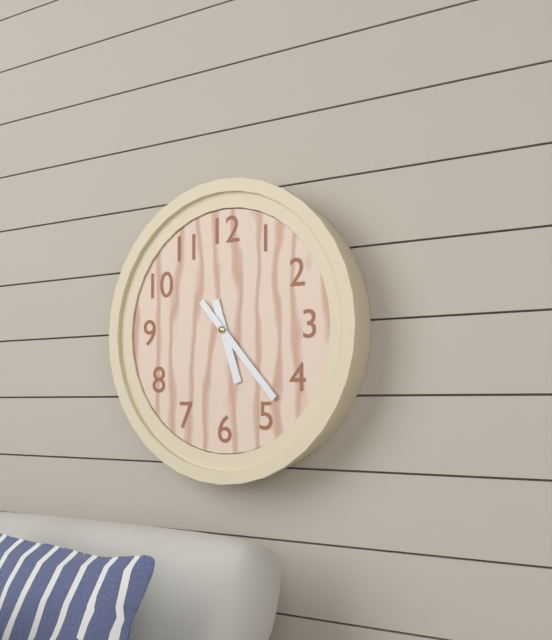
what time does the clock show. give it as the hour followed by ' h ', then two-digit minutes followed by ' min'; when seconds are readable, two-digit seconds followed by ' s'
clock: 5 h 23 min
